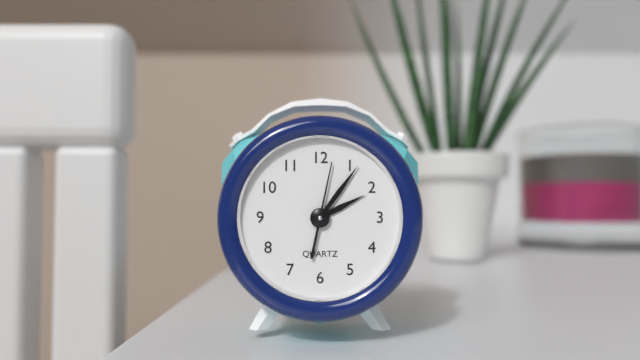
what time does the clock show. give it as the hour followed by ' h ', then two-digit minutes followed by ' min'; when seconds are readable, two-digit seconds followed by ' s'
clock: 2 h 06 min 02 s
